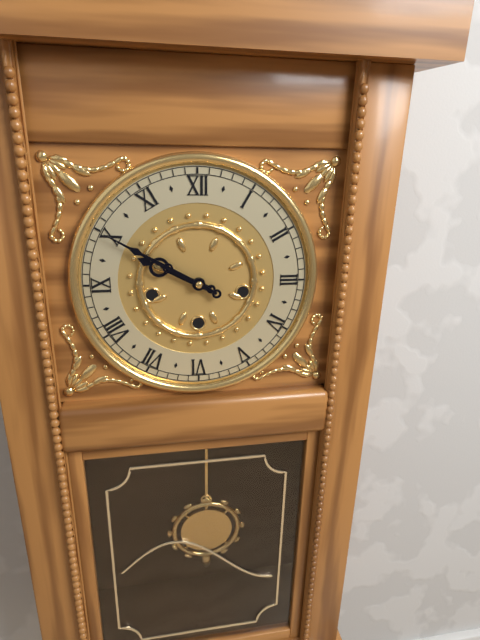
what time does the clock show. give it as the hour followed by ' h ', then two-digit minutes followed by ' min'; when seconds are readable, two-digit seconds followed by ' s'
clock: 9 h 50 min
